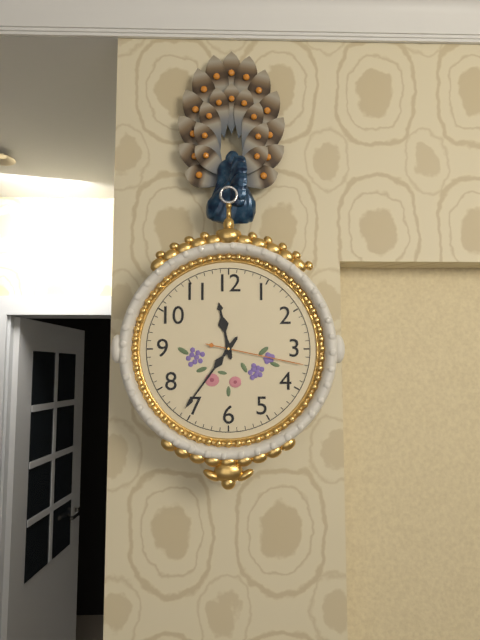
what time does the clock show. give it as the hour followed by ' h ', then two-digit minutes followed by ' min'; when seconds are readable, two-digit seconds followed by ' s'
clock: 11 h 36 min 17 s
